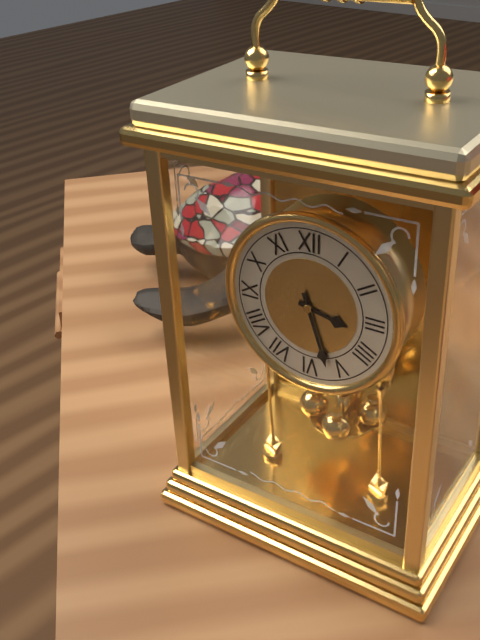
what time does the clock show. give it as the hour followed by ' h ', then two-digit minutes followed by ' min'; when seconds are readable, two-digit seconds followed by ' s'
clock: 3 h 27 min
